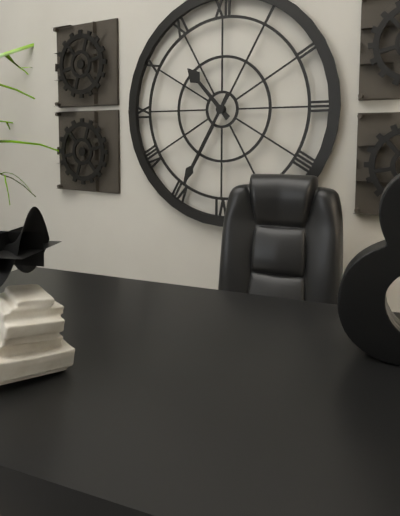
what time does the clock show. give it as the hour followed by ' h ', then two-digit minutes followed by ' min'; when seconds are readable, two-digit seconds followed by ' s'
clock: 10 h 35 min
